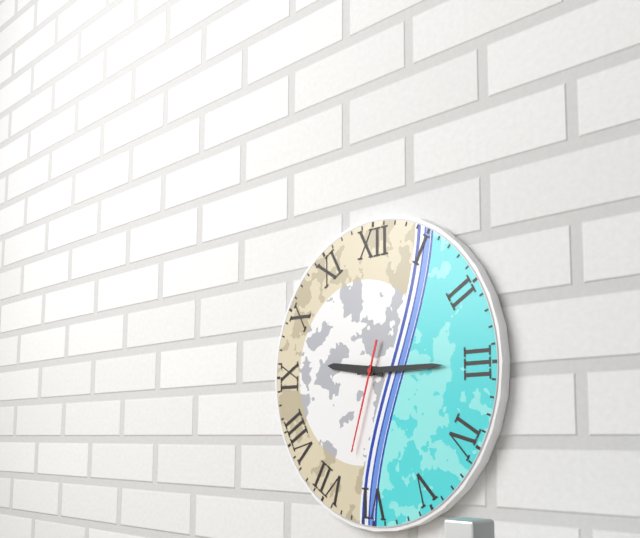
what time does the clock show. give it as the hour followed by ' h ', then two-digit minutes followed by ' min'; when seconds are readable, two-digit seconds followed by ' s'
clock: 9 h 15 min 33 s
